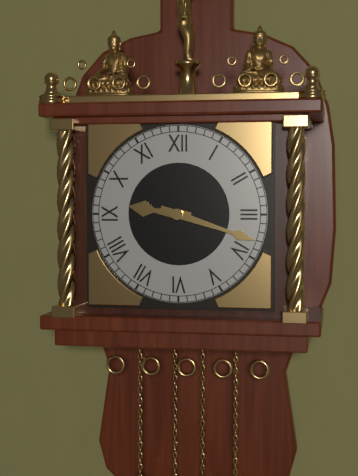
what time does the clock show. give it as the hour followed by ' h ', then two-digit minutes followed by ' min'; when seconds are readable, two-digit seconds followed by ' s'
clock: 9 h 18 min
